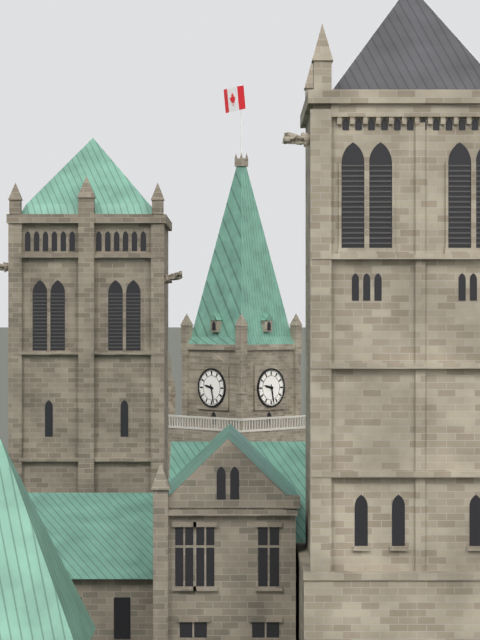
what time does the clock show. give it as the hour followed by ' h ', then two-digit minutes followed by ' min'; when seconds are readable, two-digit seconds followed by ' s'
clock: 9 h 28 min
